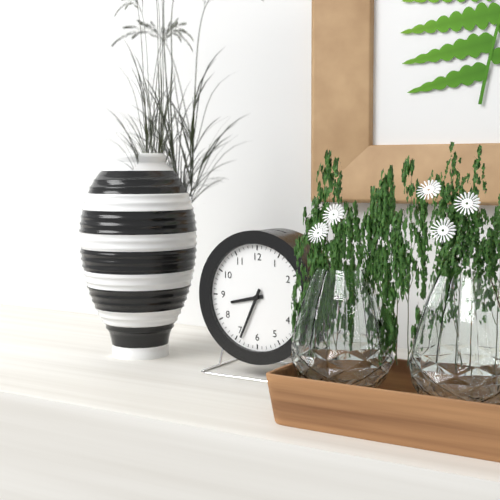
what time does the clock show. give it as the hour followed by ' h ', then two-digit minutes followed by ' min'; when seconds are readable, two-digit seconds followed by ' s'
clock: 8 h 34 min
